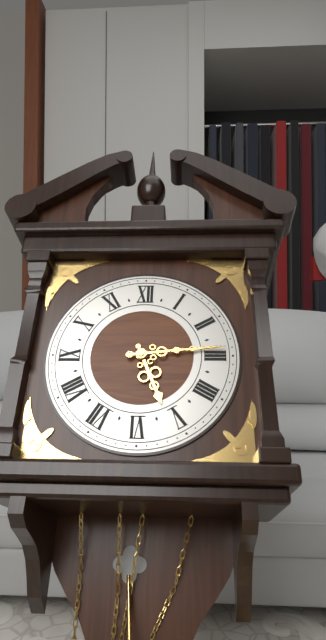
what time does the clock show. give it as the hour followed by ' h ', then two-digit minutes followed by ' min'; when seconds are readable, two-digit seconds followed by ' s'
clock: 5 h 14 min
